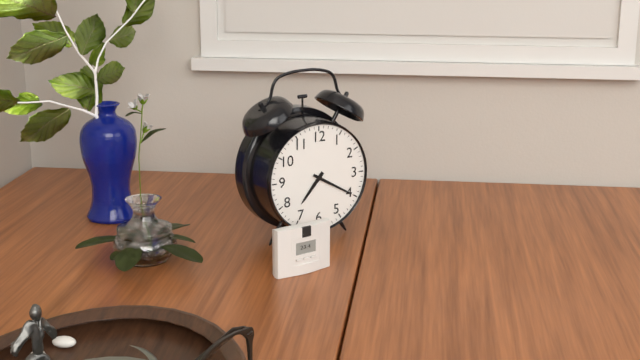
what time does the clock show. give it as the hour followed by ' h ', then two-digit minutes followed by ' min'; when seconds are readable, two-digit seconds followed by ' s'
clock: 7 h 20 min
